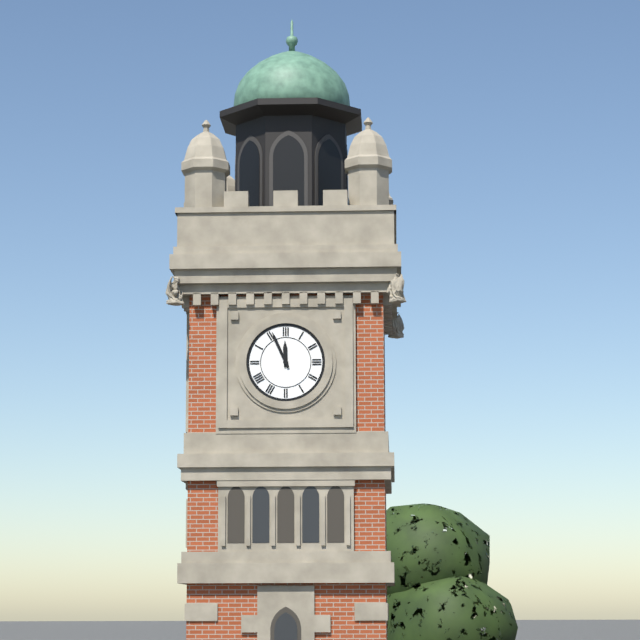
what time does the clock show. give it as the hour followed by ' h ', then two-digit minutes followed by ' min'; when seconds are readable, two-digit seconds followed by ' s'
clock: 11 h 56 min
